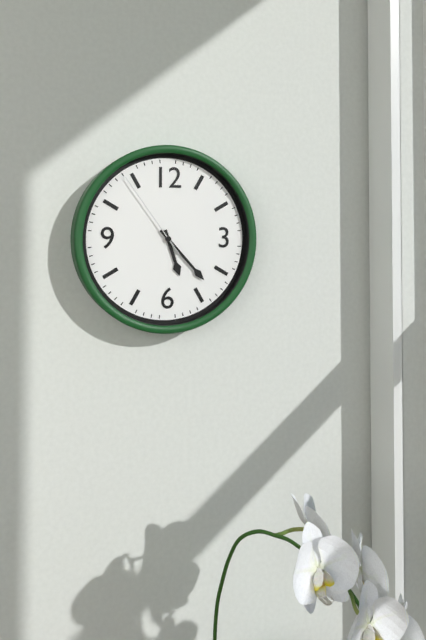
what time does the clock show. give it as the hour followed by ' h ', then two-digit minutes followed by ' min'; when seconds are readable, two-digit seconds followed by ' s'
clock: 5 h 23 min 54 s
